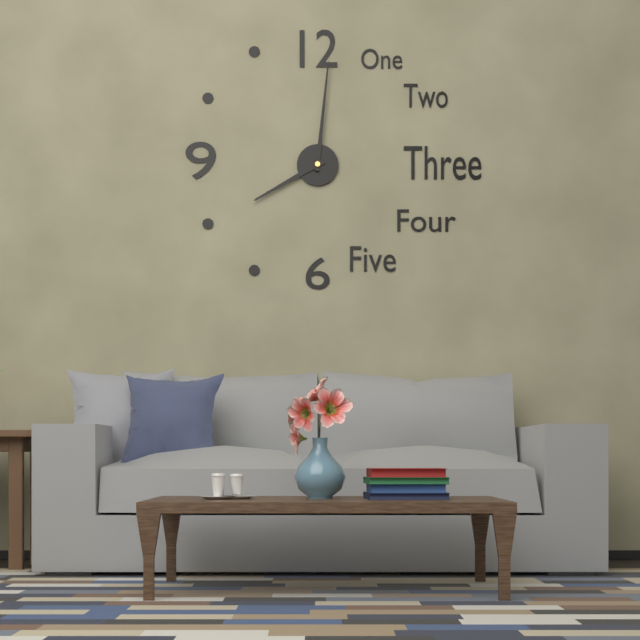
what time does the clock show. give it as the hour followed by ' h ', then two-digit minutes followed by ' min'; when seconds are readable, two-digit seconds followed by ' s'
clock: 8 h 01 min
